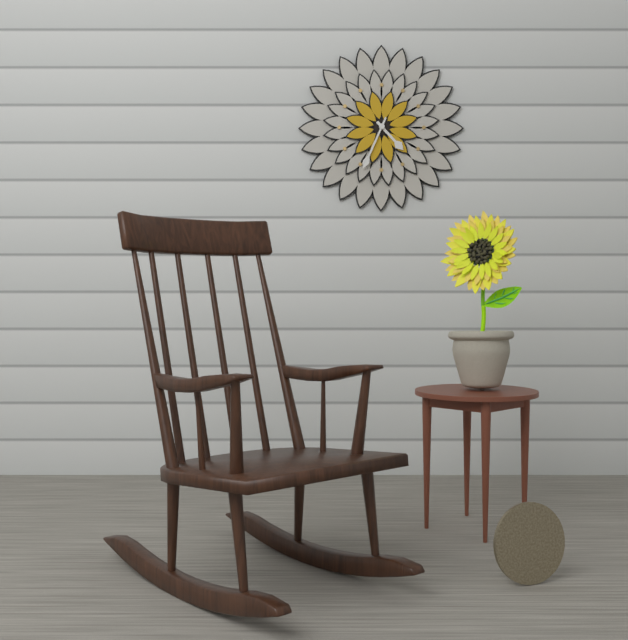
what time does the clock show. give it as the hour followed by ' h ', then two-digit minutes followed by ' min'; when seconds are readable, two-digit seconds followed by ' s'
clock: 4 h 34 min
